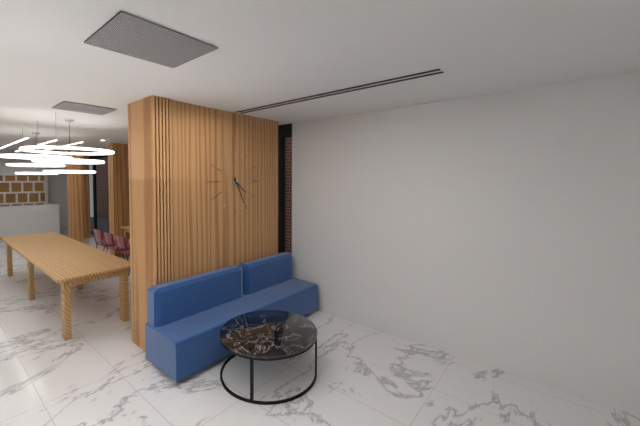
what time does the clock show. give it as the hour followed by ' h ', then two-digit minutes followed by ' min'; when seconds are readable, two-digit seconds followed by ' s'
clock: 4 h 26 min
